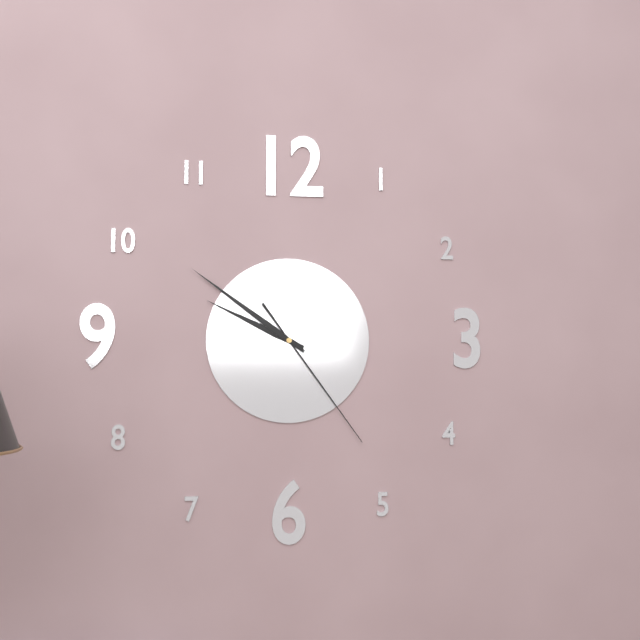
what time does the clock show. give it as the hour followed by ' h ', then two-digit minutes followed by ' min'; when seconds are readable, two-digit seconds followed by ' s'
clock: 9 h 51 min 24 s
